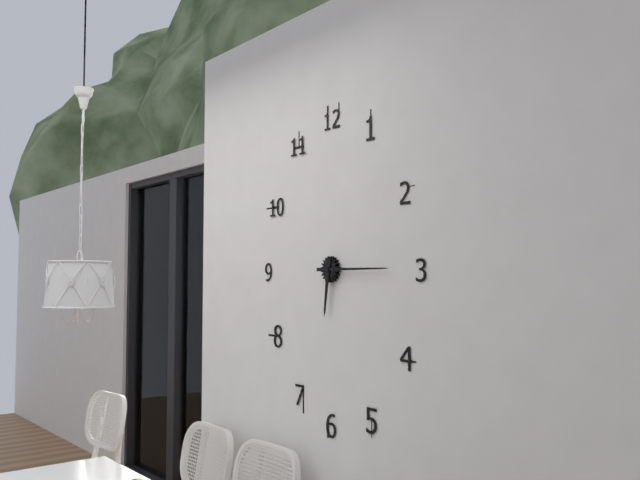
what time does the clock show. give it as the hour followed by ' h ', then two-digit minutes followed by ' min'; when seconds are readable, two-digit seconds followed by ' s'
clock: 6 h 15 min
